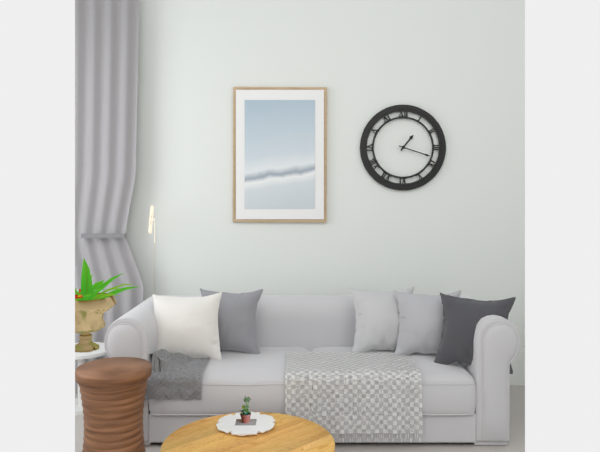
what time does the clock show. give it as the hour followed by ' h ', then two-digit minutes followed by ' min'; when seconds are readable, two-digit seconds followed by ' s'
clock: 1 h 18 min
